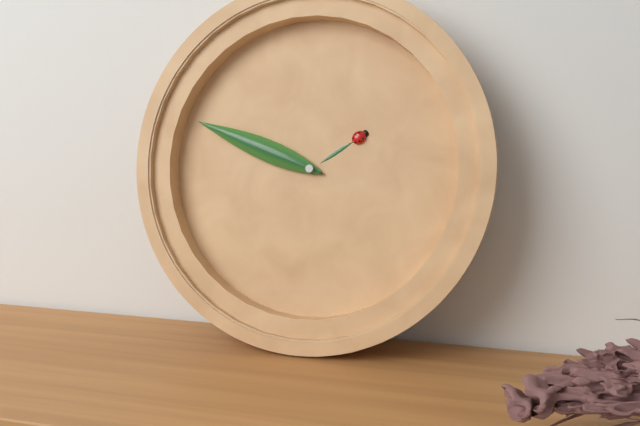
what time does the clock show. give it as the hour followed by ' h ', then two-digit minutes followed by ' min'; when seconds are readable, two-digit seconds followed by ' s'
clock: 1 h 48 min
